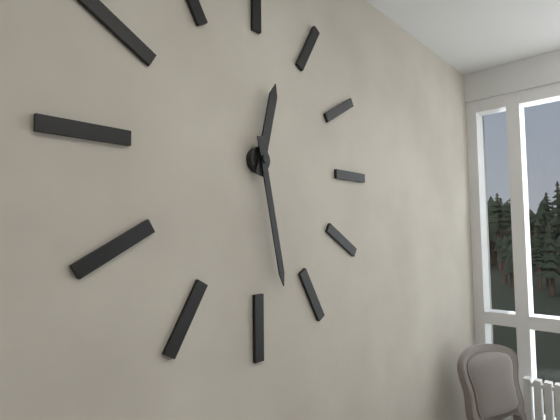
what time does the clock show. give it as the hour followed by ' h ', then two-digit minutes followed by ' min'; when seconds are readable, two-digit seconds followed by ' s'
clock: 12 h 28 min
